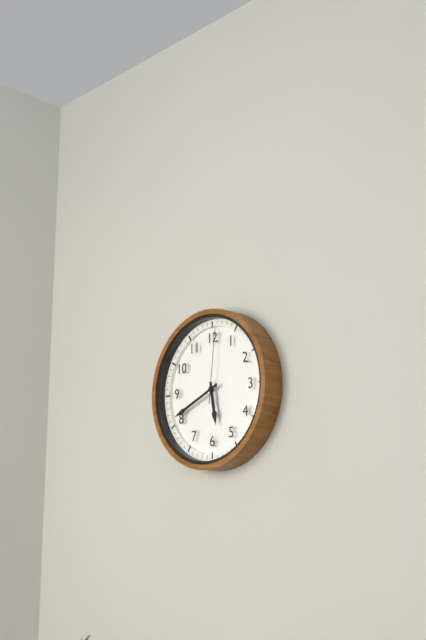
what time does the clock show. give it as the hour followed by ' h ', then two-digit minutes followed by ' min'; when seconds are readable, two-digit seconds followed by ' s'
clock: 5 h 41 min 01 s
